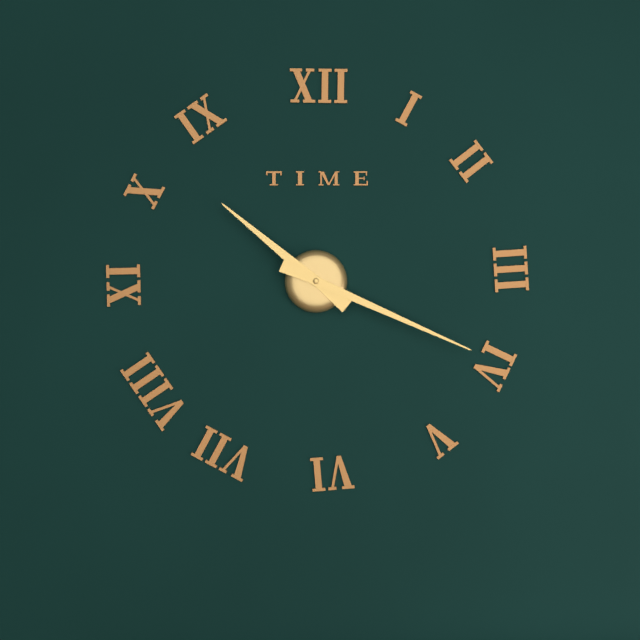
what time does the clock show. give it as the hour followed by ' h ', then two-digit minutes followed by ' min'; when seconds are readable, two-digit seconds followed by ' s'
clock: 10 h 19 min
